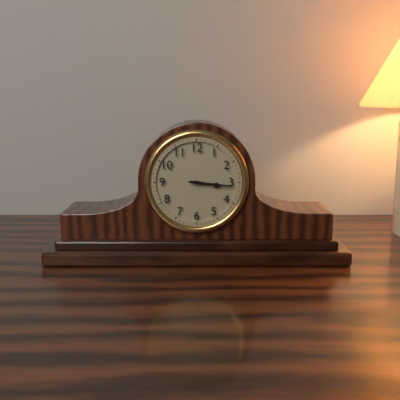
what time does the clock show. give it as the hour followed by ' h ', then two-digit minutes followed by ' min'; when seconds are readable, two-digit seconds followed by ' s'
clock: 3 h 16 min
